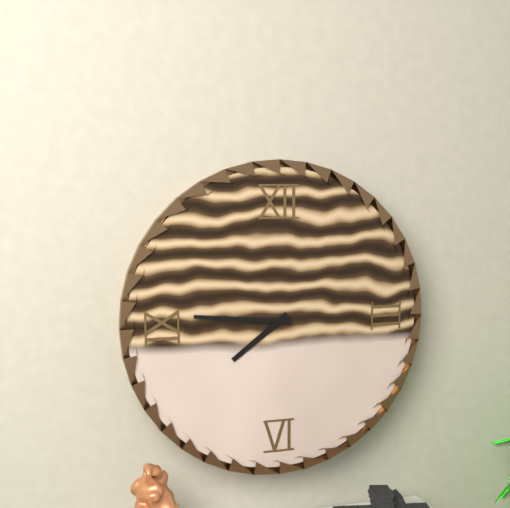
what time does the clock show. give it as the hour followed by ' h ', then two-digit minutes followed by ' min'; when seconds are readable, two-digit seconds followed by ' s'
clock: 7 h 46 min
